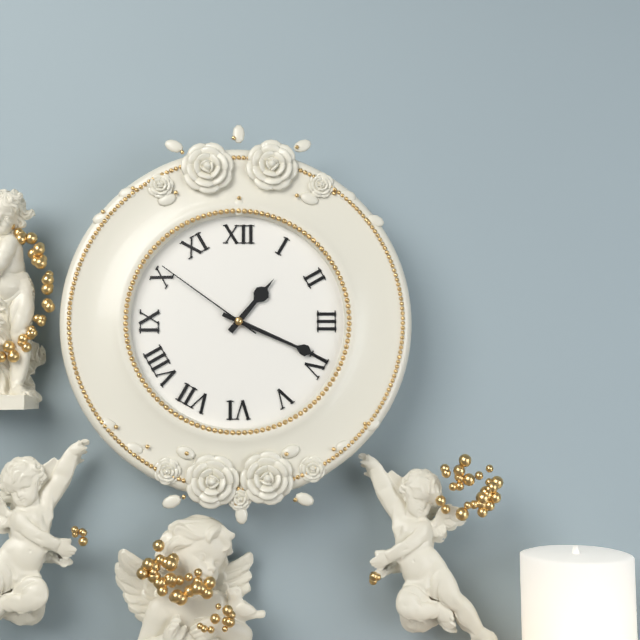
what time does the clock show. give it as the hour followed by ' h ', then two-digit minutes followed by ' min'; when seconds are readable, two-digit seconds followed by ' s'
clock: 1 h 19 min 51 s
